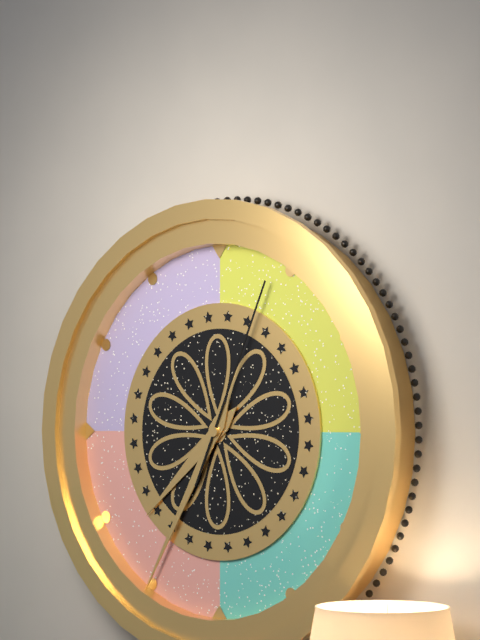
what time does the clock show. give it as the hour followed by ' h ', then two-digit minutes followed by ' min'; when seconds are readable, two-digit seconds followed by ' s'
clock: 7 h 35 min 04 s
